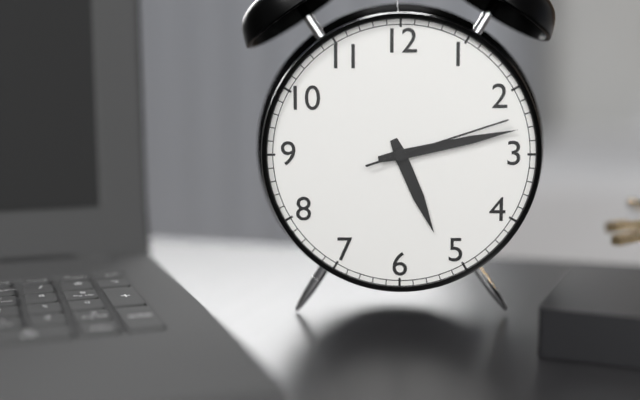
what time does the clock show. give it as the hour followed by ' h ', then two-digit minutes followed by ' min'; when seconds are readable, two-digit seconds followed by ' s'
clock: 5 h 13 min 12 s
